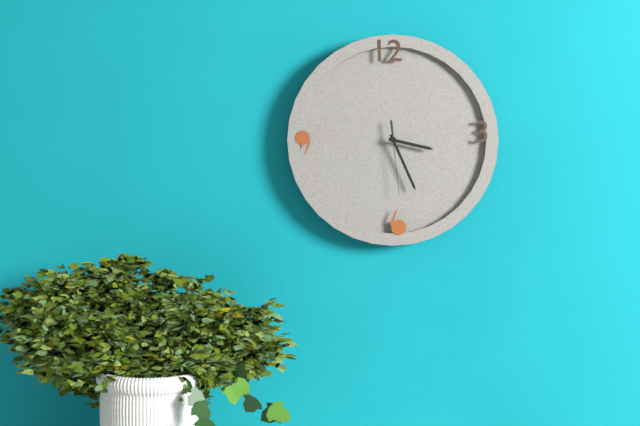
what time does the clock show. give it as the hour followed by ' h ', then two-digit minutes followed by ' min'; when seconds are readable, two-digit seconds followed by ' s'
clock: 3 h 26 min 29 s
